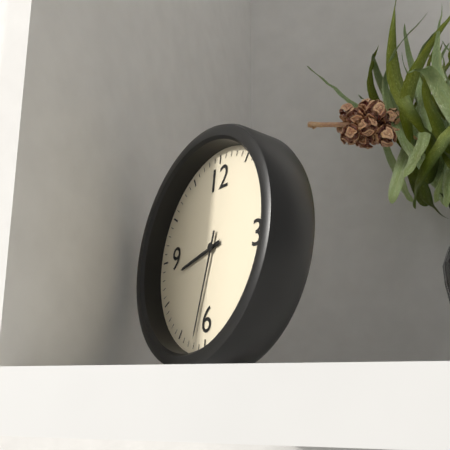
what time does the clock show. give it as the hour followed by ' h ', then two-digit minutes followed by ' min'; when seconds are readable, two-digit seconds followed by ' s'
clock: 8 h 32 min
